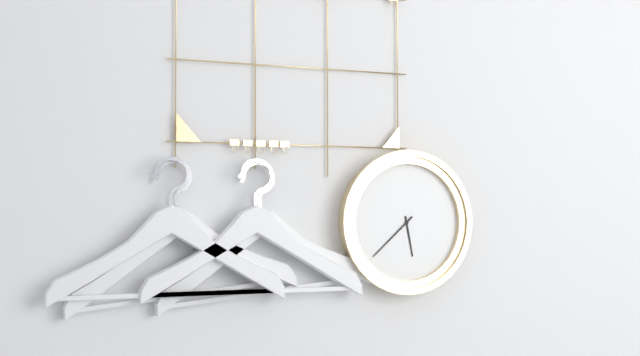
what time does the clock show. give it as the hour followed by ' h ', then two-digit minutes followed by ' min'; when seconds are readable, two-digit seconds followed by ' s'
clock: 5 h 38 min
